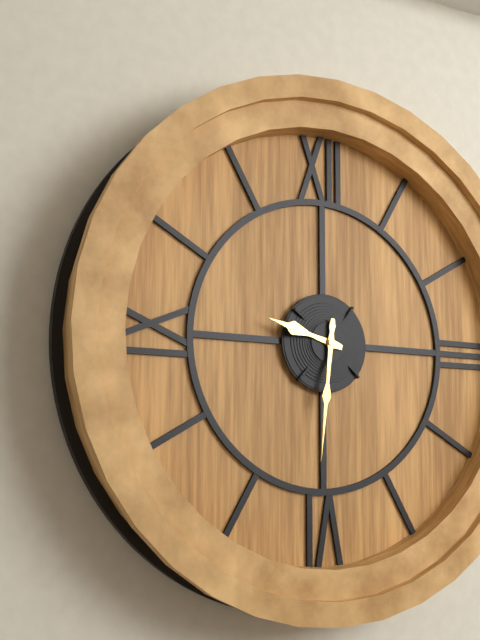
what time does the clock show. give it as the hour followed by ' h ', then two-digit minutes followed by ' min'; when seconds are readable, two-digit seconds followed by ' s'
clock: 9 h 31 min
